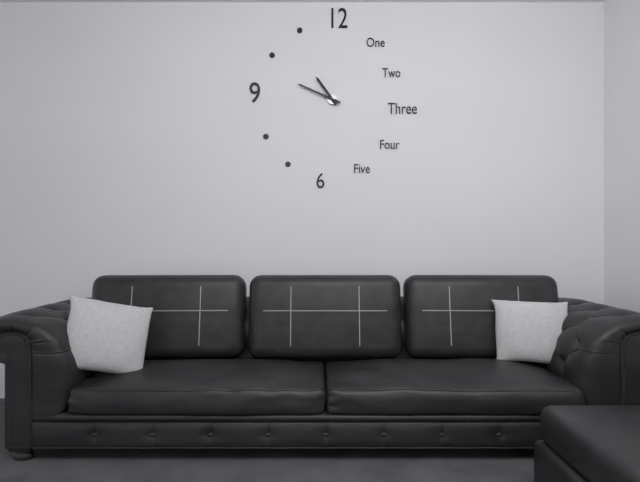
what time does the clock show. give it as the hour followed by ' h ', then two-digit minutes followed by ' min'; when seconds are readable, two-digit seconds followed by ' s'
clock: 10 h 49 min
